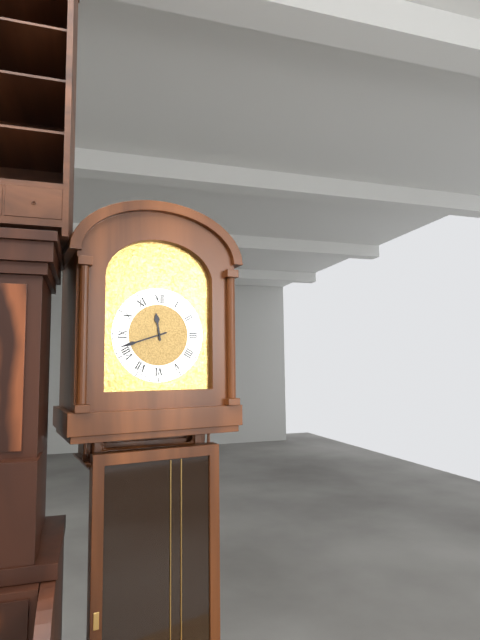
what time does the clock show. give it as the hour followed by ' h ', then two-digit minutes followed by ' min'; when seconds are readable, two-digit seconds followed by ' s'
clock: 11 h 42 min
